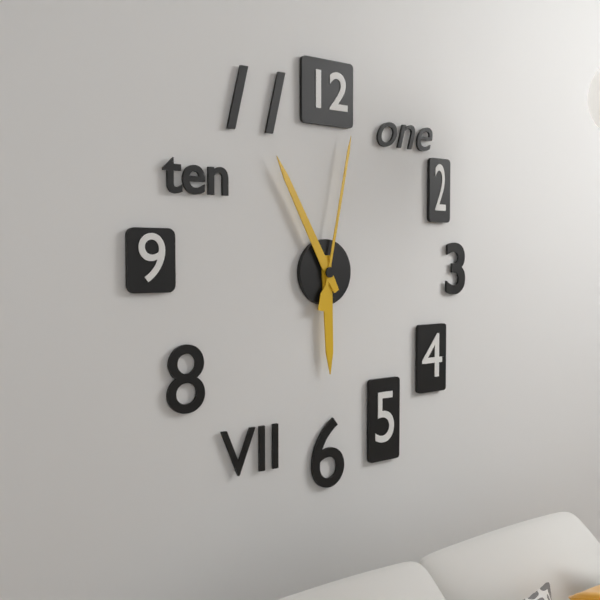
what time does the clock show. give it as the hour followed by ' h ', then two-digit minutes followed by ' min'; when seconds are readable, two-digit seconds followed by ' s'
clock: 5 h 55 min 02 s
